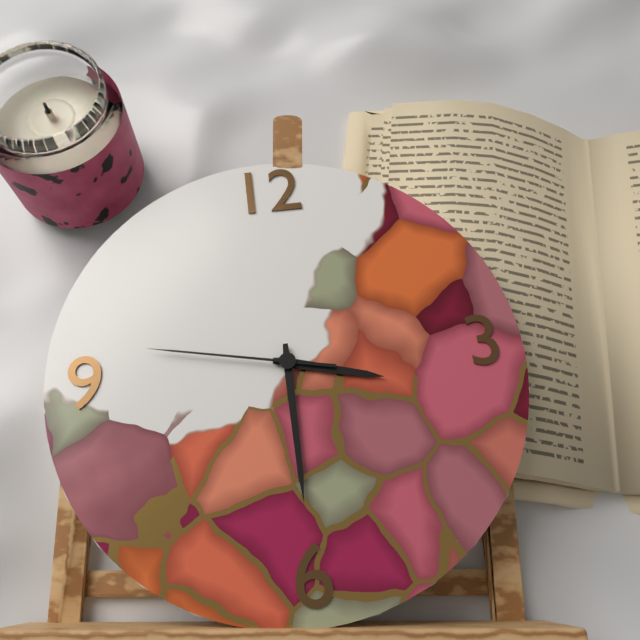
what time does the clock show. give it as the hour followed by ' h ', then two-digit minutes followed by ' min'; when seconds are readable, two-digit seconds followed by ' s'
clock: 3 h 30 min 47 s
